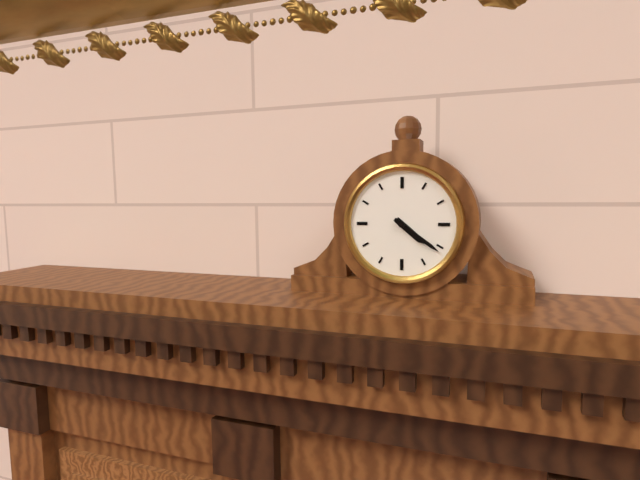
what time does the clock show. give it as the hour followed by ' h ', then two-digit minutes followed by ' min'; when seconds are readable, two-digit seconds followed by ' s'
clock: 4 h 21 min
